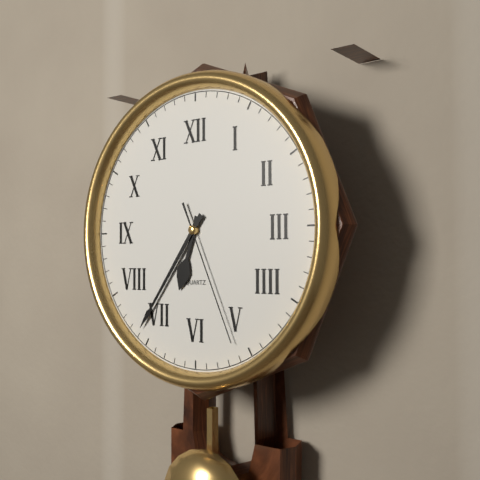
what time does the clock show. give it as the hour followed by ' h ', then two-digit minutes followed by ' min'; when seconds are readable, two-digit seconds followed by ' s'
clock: 6 h 36 min 26 s
